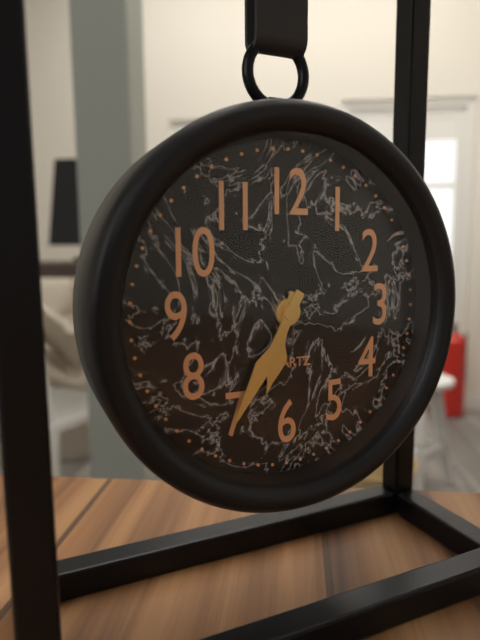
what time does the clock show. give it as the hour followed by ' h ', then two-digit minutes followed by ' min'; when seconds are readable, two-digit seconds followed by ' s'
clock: 6 h 35 min
